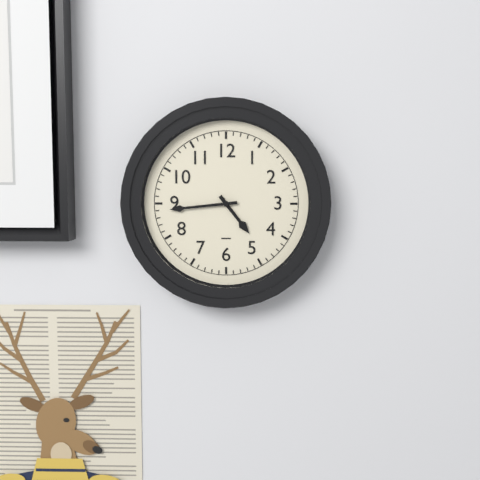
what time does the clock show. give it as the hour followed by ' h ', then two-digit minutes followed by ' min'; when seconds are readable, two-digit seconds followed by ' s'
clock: 4 h 44 min
